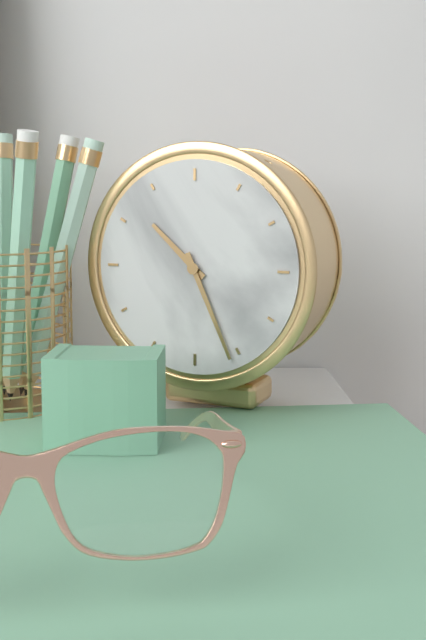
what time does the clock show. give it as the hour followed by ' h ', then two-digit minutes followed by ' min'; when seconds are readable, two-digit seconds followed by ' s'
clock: 10 h 26 min
